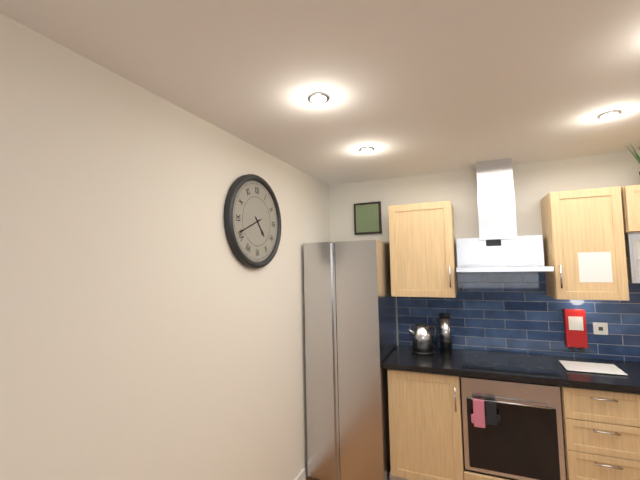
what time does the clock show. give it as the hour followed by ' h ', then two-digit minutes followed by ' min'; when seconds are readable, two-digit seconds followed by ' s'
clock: 4 h 41 min
